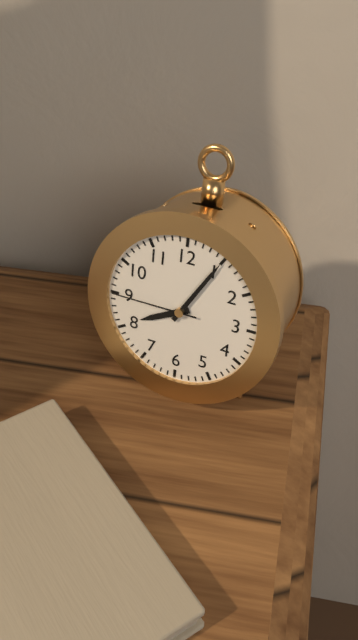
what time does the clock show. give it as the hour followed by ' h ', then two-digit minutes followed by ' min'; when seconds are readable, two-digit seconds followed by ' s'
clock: 8 h 05 min 45 s
